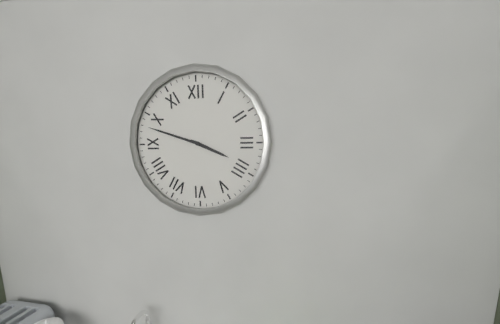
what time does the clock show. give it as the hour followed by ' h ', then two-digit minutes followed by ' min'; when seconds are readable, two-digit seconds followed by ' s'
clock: 3 h 48 min
